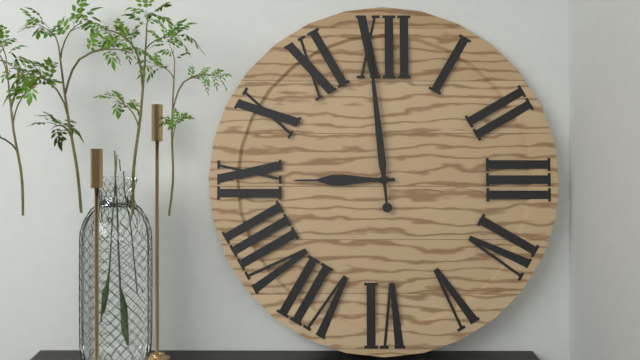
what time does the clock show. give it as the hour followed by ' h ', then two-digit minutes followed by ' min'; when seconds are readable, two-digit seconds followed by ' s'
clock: 8 h 59 min
